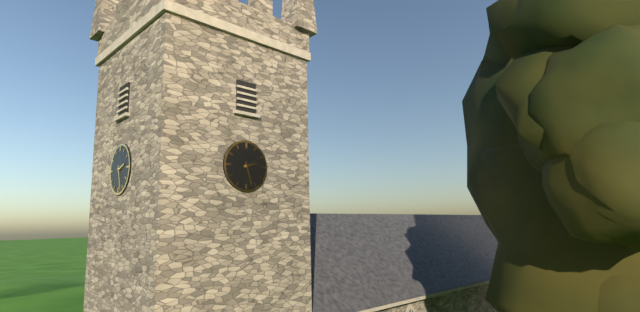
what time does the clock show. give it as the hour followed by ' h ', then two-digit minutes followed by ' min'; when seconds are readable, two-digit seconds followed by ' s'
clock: 2 h 27 min
